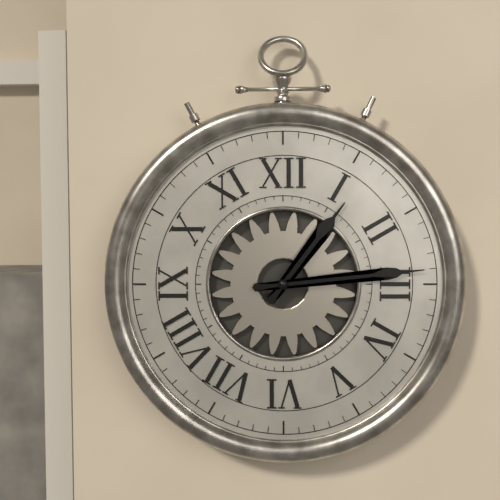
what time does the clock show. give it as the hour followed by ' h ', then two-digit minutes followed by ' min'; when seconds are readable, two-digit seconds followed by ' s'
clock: 1 h 14 min
